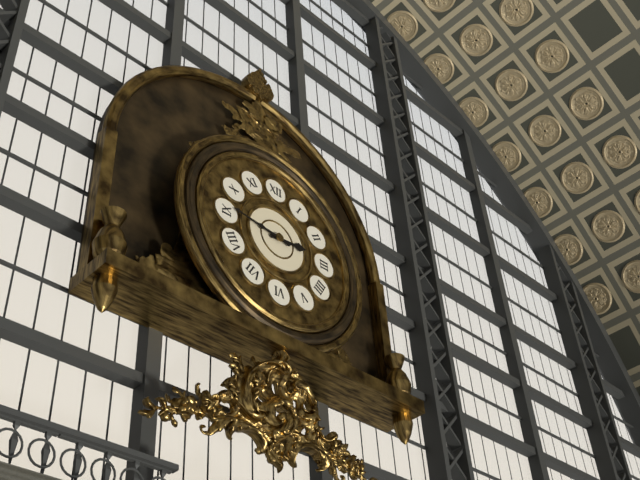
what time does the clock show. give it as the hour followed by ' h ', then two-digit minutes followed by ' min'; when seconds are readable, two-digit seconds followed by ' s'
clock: 2 h 46 min
